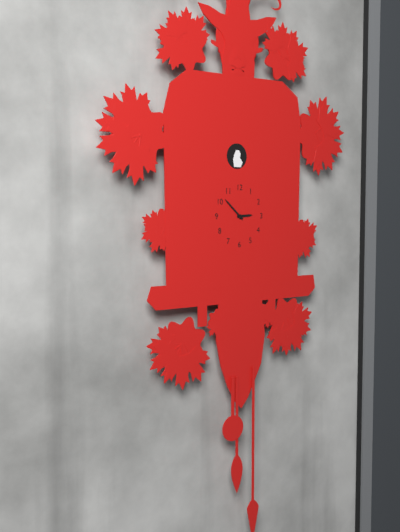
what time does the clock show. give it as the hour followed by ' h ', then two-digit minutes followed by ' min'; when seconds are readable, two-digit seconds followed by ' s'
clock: 2 h 52 min
